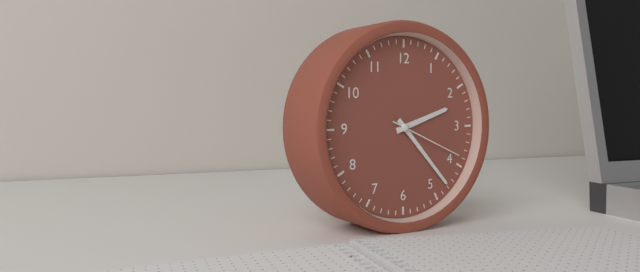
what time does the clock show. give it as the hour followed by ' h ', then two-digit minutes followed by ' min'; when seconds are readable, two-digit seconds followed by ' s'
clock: 2 h 23 min 19 s
